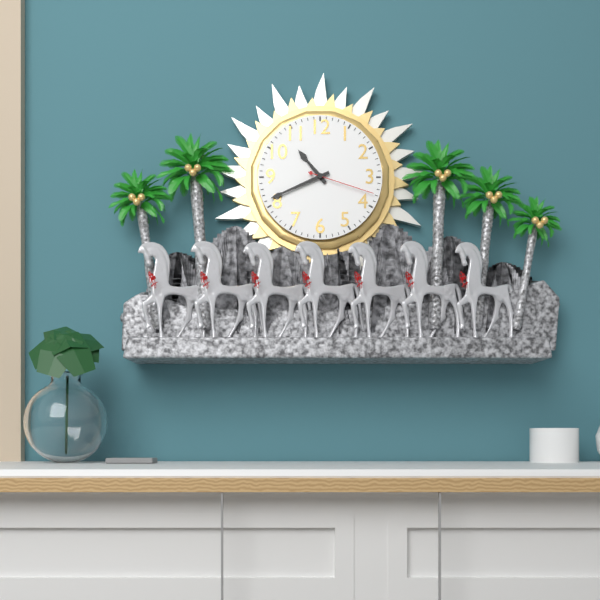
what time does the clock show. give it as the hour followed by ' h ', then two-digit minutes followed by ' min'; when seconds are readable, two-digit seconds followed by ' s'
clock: 10 h 41 min 18 s
